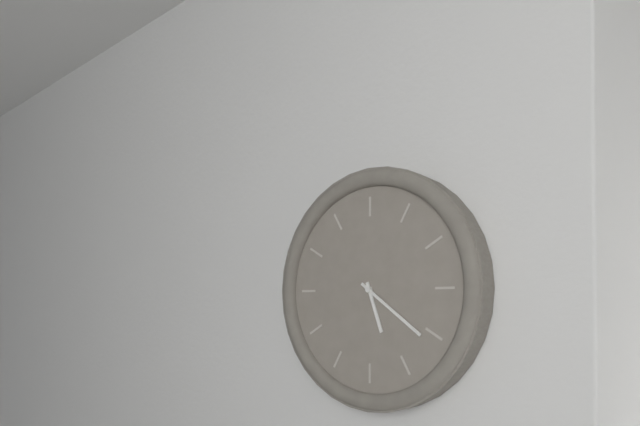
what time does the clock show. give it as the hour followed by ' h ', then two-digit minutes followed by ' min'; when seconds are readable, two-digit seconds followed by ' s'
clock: 5 h 21 min
